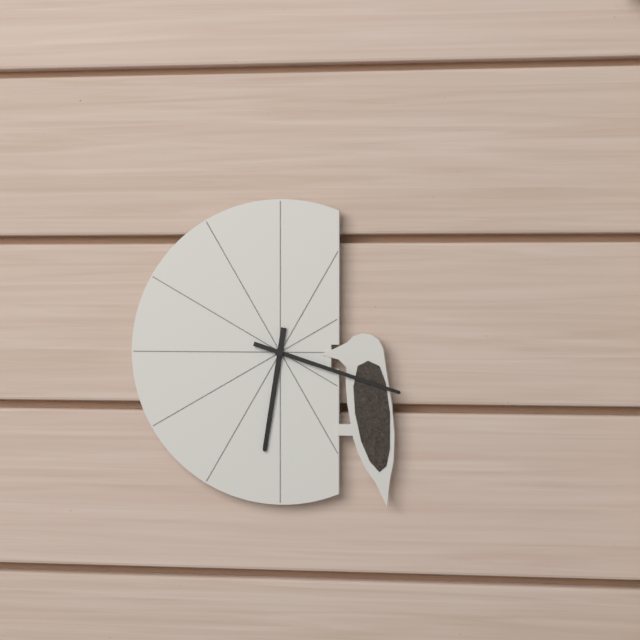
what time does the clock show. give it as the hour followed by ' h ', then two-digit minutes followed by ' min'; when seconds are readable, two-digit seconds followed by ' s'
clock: 6 h 18 min
